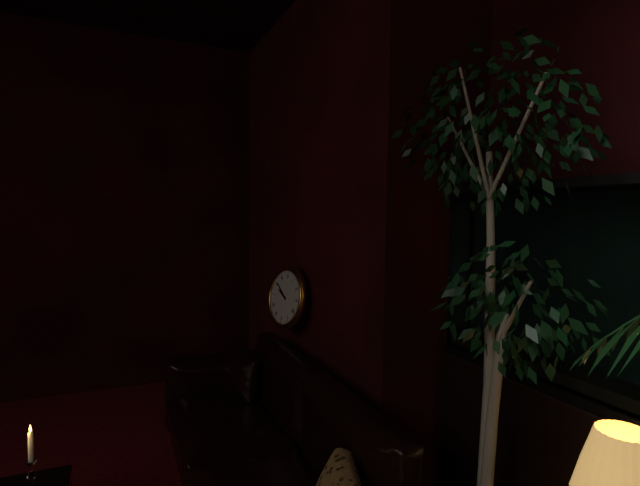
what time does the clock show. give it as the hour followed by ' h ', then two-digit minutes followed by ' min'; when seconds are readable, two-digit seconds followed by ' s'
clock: 9 h 51 min
